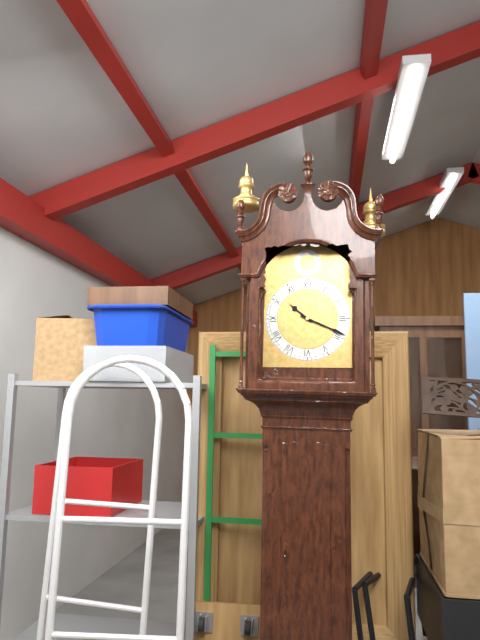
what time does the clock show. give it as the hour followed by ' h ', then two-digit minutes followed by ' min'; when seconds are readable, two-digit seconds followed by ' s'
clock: 10 h 19 min
